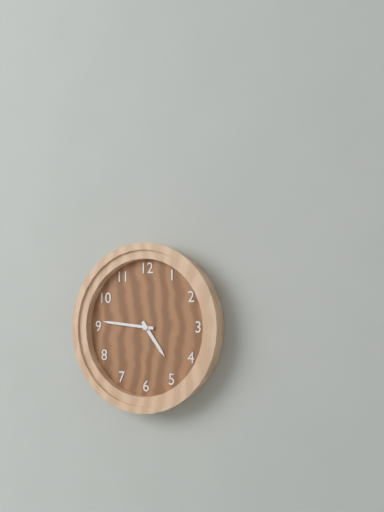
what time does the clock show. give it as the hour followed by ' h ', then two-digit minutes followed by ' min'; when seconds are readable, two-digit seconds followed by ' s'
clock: 4 h 46 min
